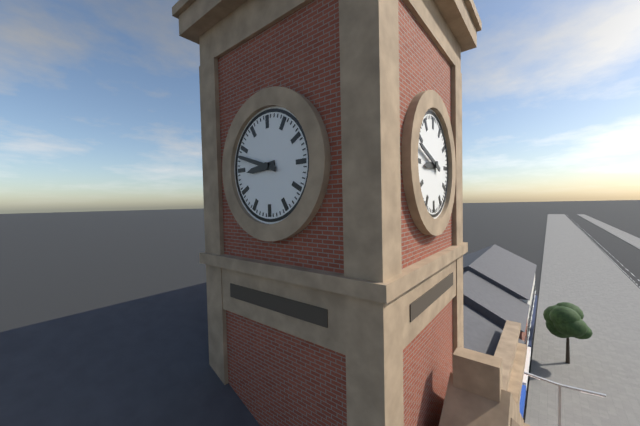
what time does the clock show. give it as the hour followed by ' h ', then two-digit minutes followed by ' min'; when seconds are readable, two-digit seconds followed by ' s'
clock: 8 h 48 min
